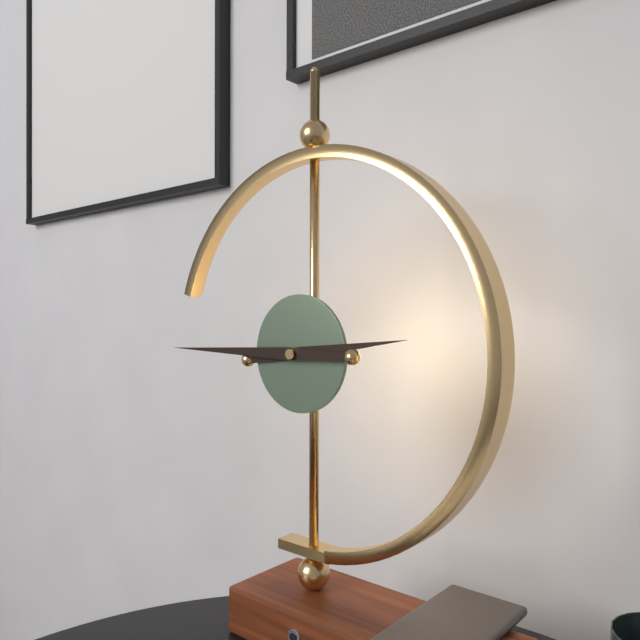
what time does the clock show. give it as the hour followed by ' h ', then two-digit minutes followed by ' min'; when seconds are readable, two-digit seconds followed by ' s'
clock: 2 h 45 min
